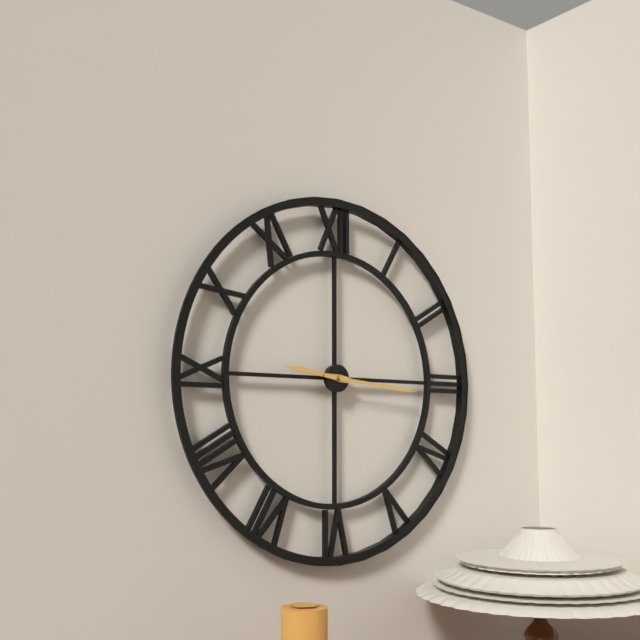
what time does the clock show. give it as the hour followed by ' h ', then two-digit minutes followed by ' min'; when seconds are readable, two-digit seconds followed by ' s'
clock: 9 h 16 min
